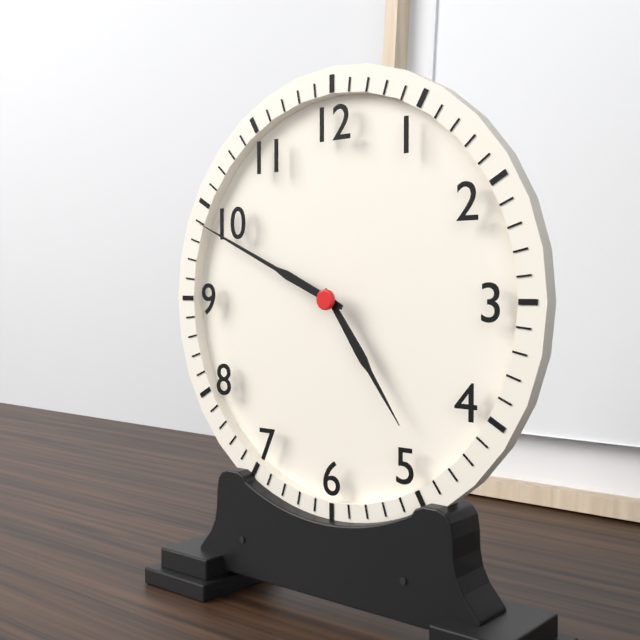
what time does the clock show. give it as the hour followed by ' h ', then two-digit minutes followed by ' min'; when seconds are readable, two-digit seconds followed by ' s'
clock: 4 h 49 min
